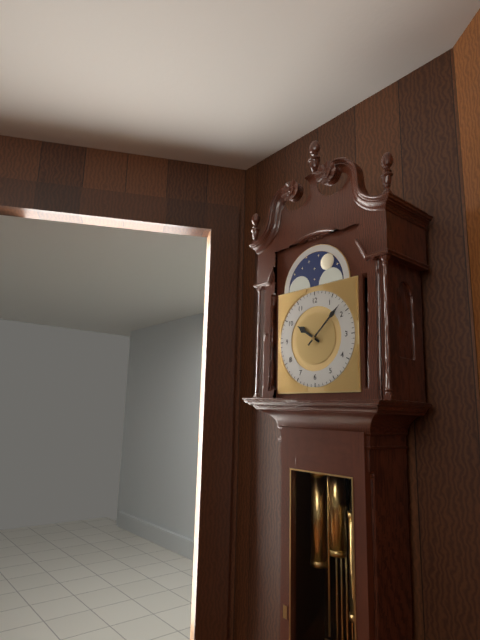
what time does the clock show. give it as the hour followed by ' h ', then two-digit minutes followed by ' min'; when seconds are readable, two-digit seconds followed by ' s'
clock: 10 h 08 min
